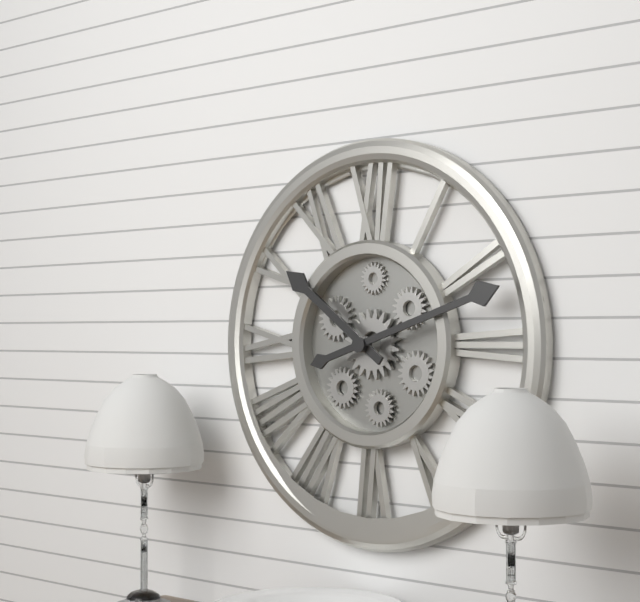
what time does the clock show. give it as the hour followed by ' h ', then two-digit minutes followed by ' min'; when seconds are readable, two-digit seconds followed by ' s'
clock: 10 h 12 min
